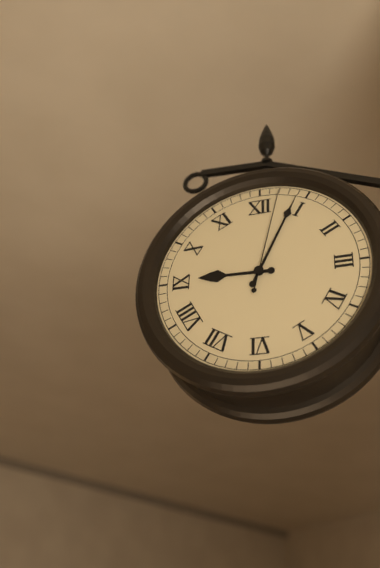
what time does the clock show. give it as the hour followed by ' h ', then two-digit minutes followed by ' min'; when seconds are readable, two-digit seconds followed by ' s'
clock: 9 h 04 min 02 s
